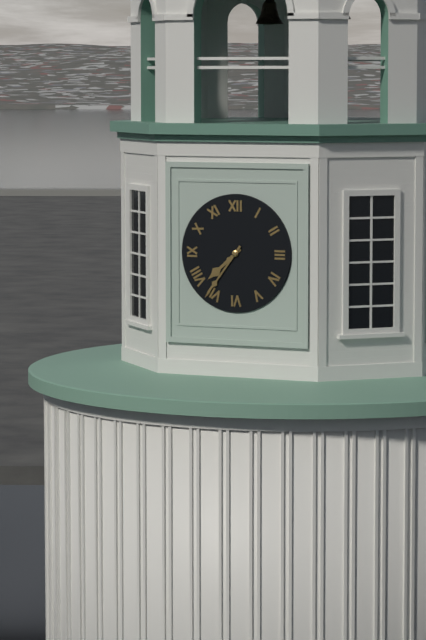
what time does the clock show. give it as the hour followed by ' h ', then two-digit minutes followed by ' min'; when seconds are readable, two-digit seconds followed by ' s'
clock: 7 h 36 min
